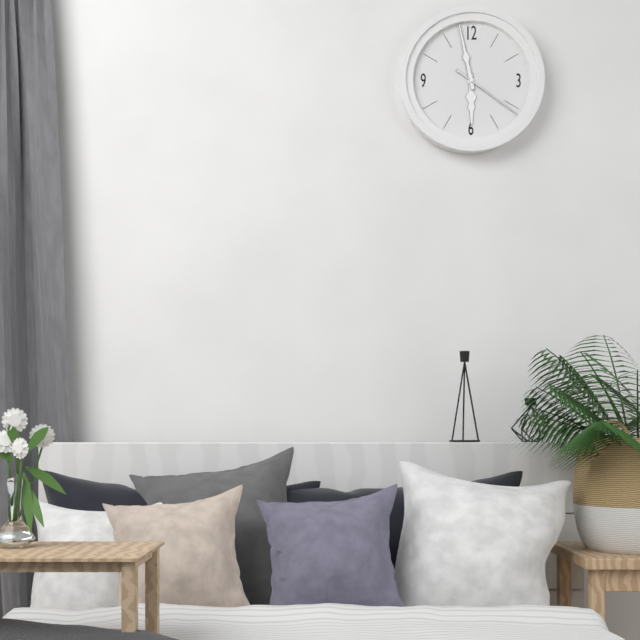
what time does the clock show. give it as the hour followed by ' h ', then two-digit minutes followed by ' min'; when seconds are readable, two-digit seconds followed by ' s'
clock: 5 h 58 min 21 s
